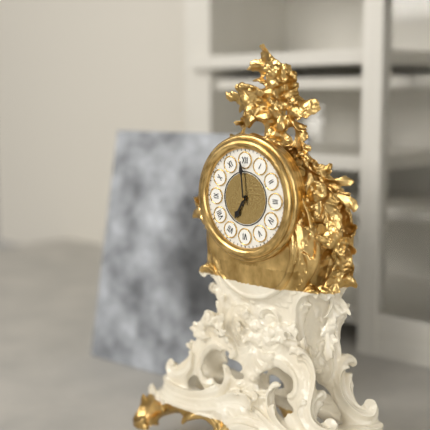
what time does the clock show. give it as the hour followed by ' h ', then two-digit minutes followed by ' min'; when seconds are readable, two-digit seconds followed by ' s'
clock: 6 h 59 min
